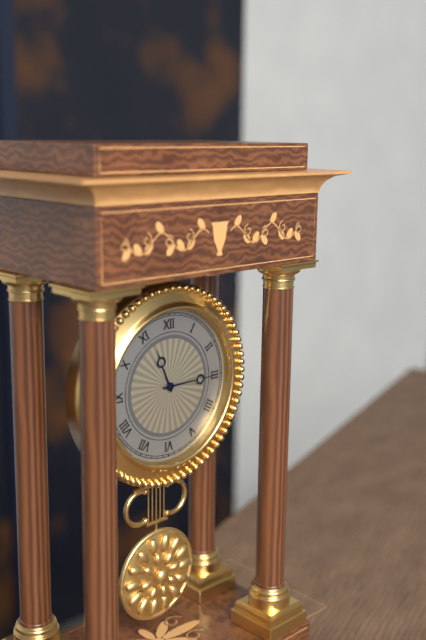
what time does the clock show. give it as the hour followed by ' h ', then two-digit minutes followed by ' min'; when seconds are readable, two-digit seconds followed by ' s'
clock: 11 h 15 min
